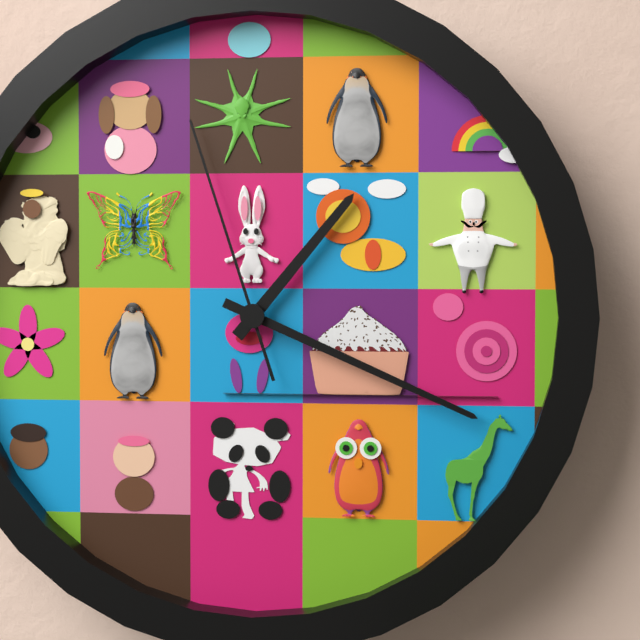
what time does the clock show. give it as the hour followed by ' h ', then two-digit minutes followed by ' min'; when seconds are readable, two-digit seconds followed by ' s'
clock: 1 h 19 min 57 s
